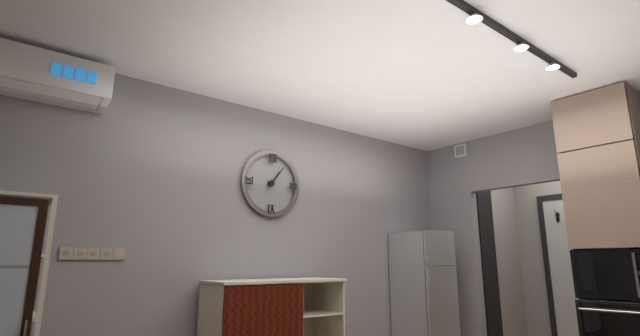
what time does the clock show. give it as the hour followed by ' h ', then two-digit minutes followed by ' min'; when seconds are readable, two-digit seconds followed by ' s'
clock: 1 h 06 min
